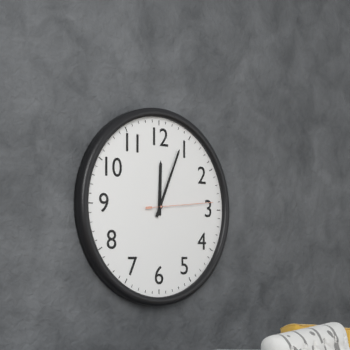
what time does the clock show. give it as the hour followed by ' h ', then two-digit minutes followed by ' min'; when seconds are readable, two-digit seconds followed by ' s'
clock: 12 h 04 min 14 s
